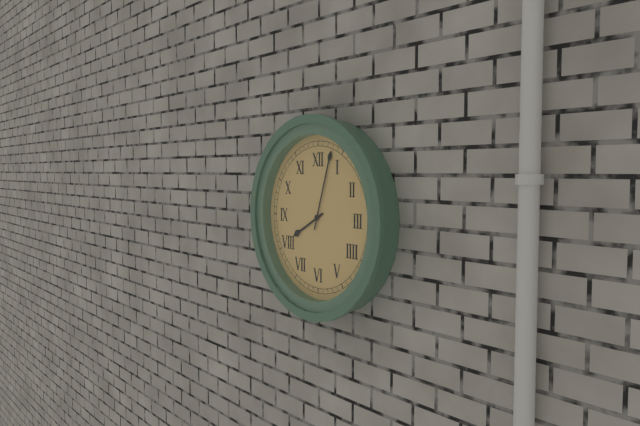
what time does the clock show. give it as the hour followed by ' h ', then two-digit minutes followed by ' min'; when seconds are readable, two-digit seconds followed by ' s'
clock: 8 h 03 min
